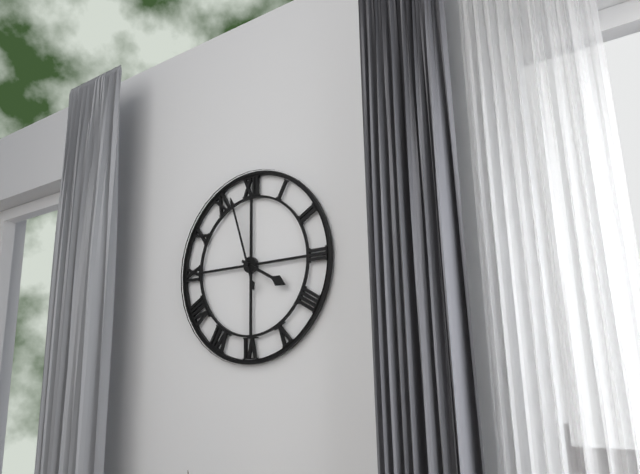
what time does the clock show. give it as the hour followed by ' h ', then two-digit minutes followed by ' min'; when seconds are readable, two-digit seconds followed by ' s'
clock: 3 h 57 min
